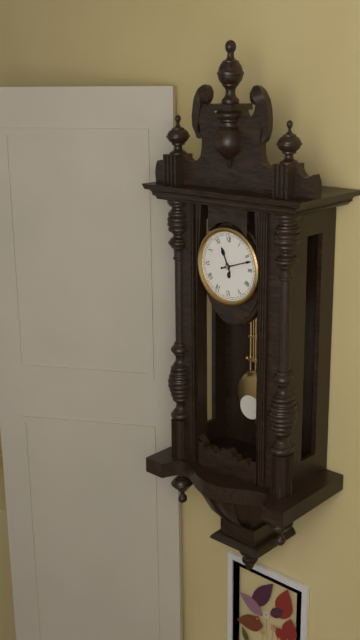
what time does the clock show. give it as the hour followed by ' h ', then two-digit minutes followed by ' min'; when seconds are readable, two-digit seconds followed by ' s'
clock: 11 h 12 min
